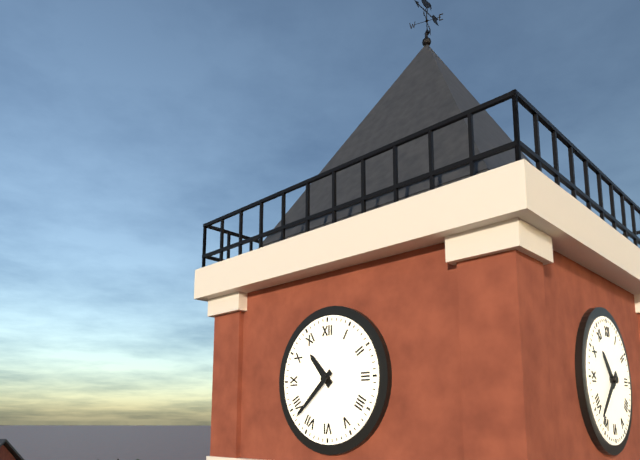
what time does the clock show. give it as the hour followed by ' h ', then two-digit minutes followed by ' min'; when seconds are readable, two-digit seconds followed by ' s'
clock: 10 h 38 min
